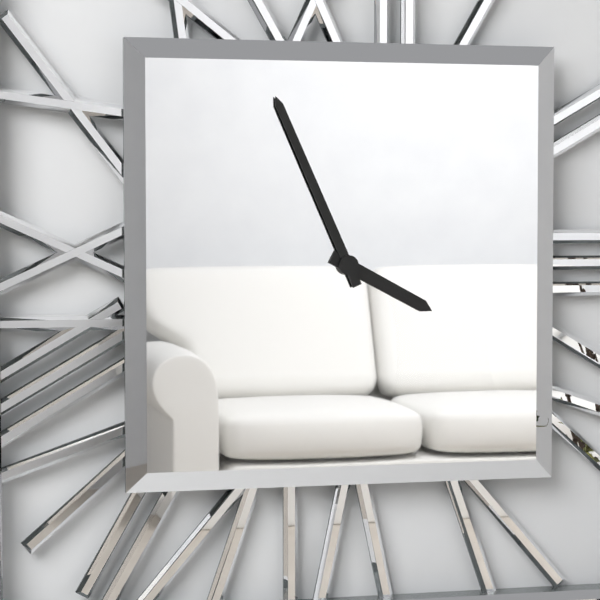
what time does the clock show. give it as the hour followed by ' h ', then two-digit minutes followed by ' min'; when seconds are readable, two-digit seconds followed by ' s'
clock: 3 h 56 min
